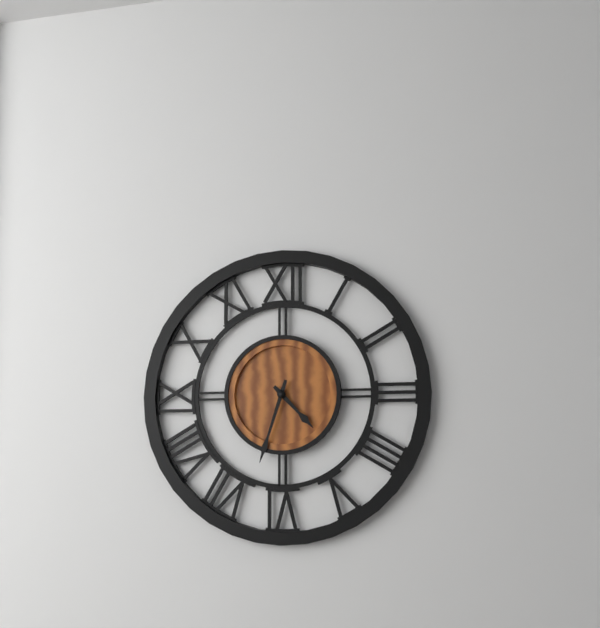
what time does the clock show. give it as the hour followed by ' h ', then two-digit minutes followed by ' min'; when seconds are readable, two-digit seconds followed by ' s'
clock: 4 h 33 min
